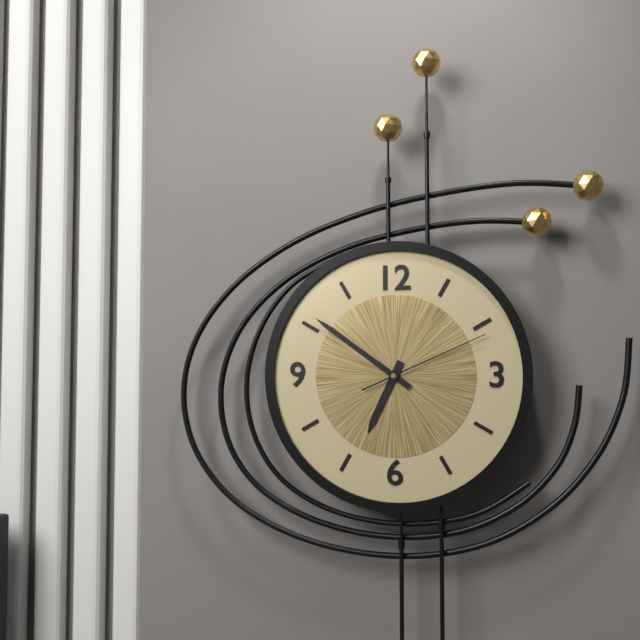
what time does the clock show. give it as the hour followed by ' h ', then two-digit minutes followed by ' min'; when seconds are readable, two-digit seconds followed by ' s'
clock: 6 h 51 min 11 s
